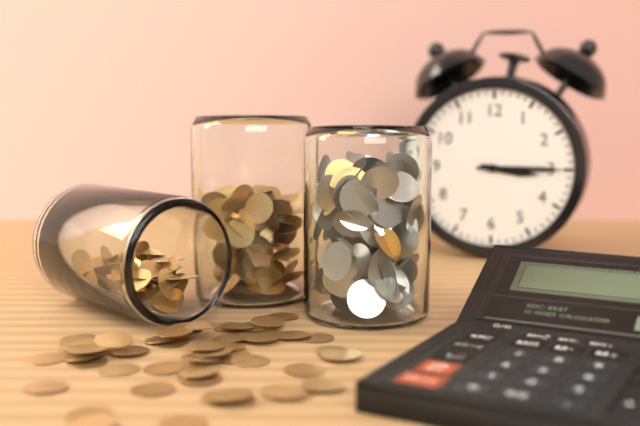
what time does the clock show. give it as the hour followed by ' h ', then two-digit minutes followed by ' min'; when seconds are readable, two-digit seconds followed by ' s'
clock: 3 h 15 min
